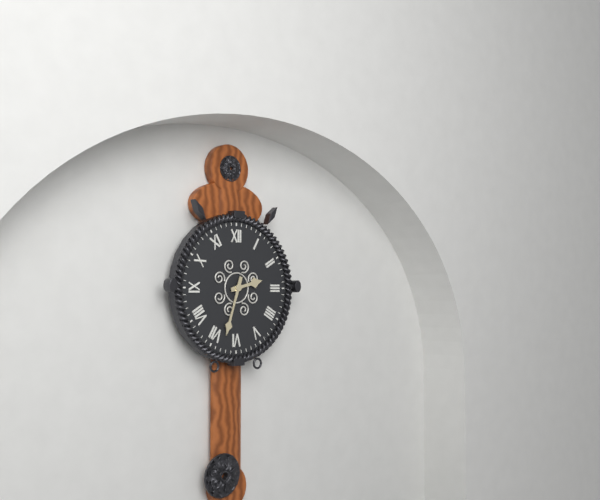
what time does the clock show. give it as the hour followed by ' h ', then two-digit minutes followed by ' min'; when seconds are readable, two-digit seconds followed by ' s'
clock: 2 h 33 min
